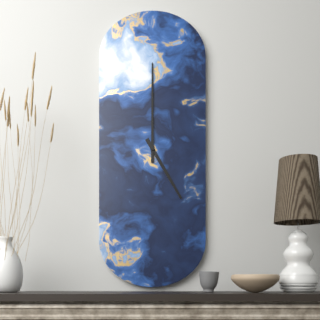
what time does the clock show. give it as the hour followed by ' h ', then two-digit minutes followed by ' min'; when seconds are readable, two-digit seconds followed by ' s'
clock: 5 h 00 min
